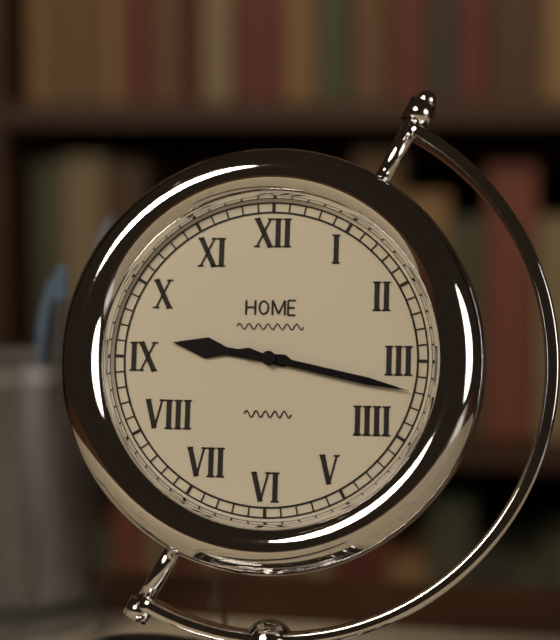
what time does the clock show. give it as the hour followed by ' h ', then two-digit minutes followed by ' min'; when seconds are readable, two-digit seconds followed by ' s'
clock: 9 h 17 min
